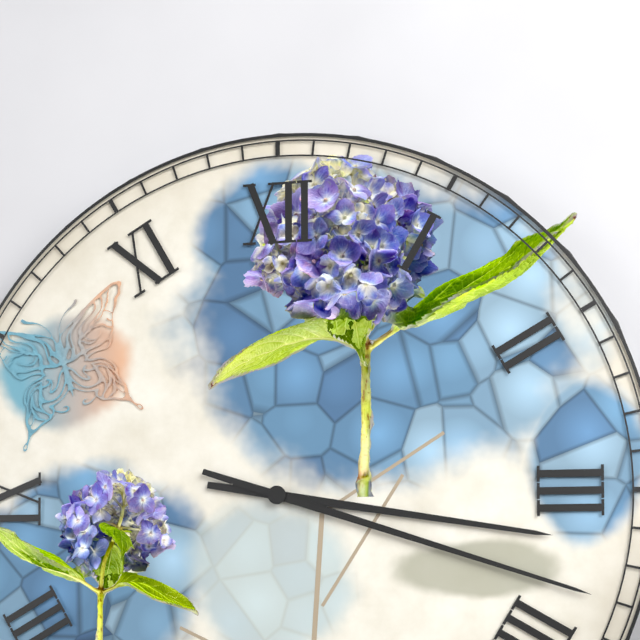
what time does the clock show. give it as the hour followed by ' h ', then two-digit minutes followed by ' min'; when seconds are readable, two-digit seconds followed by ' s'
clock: 3 h 18 min
